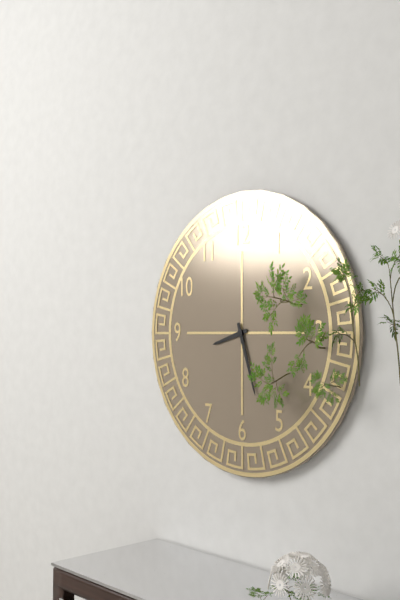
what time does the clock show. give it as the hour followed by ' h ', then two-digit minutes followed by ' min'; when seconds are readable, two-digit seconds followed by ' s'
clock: 8 h 27 min
